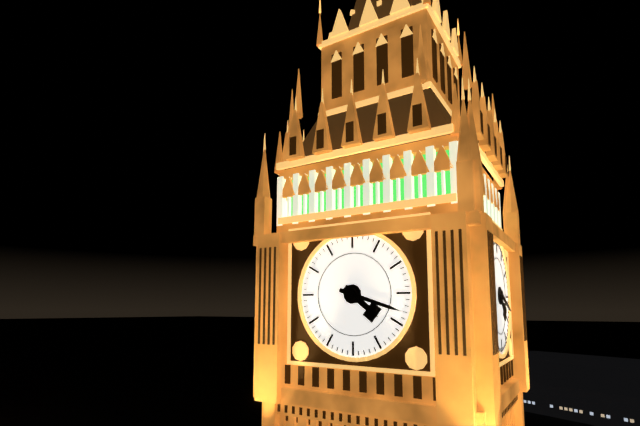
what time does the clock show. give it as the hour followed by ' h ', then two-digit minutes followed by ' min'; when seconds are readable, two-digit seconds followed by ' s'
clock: 4 h 18 min
